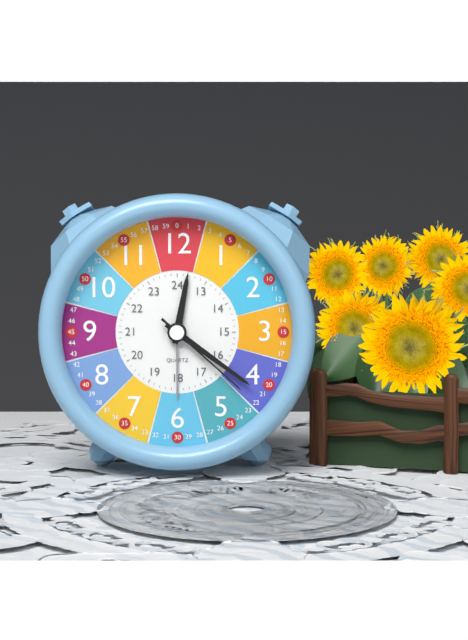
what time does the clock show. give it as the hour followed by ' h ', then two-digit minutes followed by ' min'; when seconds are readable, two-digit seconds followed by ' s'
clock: 12 h 21 min 22 s
